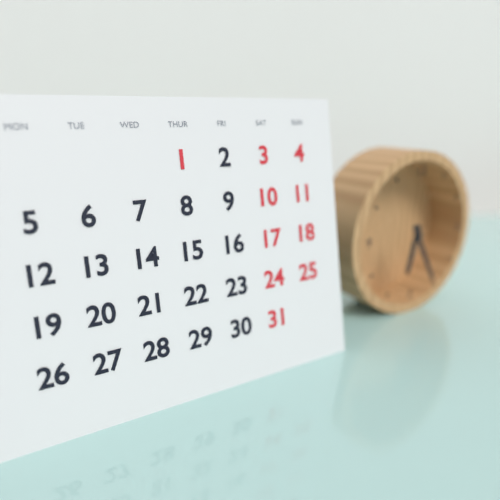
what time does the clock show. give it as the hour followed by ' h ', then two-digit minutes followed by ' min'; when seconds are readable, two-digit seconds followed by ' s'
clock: 6 h 25 min
